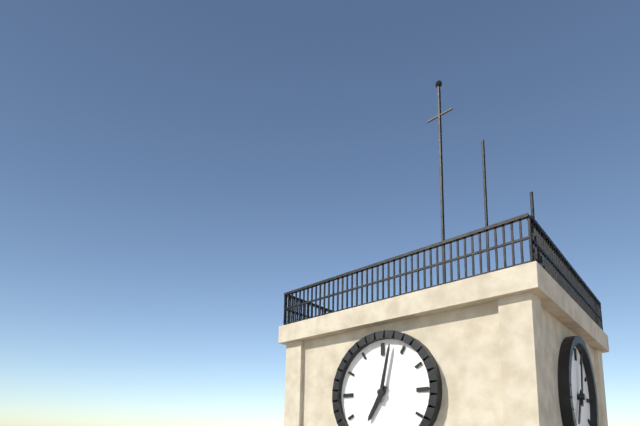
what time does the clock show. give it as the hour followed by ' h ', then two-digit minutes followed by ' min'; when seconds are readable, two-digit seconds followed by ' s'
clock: 7 h 02 min
